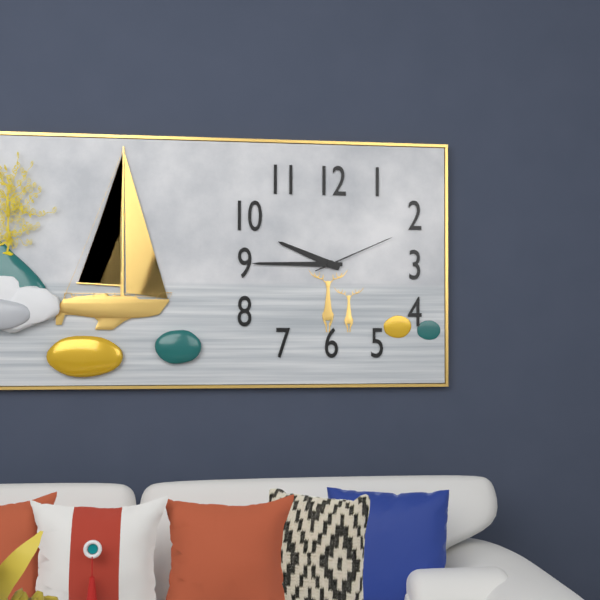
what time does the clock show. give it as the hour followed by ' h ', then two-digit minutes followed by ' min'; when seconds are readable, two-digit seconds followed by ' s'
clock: 9 h 45 min 11 s
